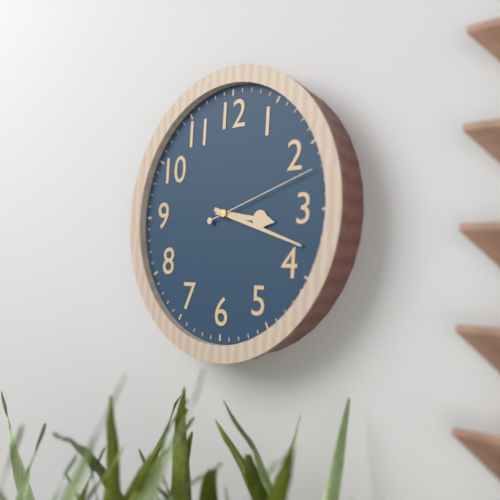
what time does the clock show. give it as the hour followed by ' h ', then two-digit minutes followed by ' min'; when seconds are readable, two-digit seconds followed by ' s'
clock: 3 h 18 min 12 s
